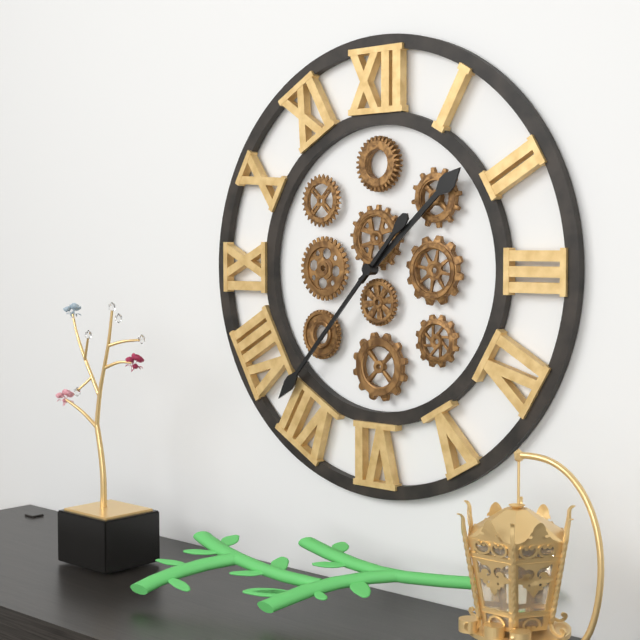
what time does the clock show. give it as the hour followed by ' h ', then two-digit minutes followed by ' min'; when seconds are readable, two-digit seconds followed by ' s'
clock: 1 h 37 min
